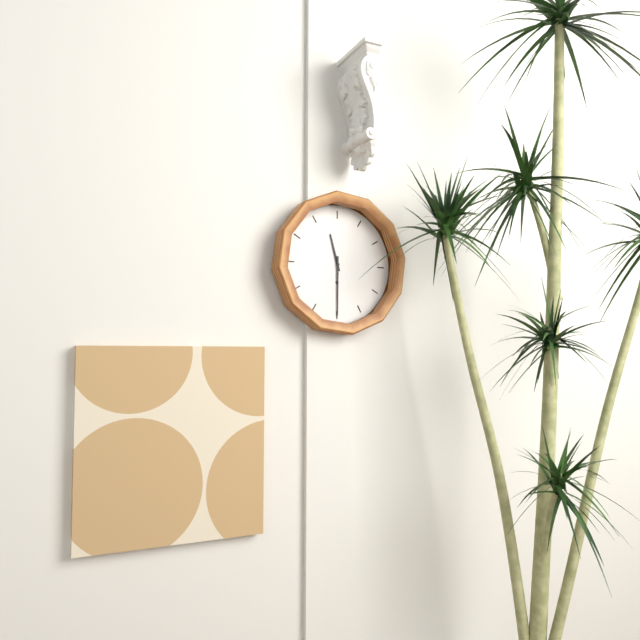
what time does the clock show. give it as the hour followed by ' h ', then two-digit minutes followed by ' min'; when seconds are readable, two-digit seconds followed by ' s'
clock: 11 h 30 min
